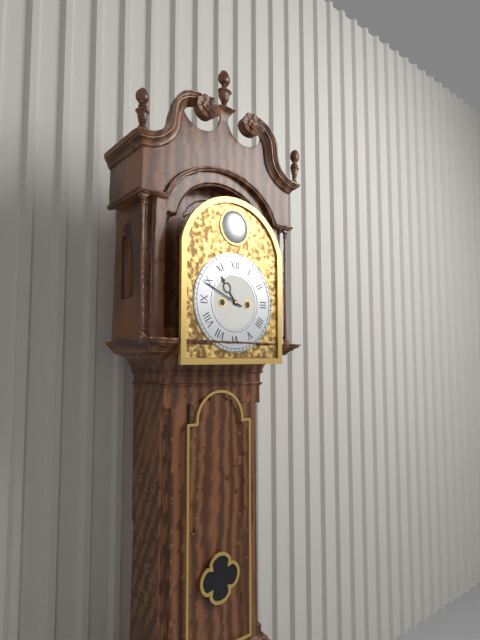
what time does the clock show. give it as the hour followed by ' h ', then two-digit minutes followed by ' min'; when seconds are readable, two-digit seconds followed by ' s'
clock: 10 h 49 min
